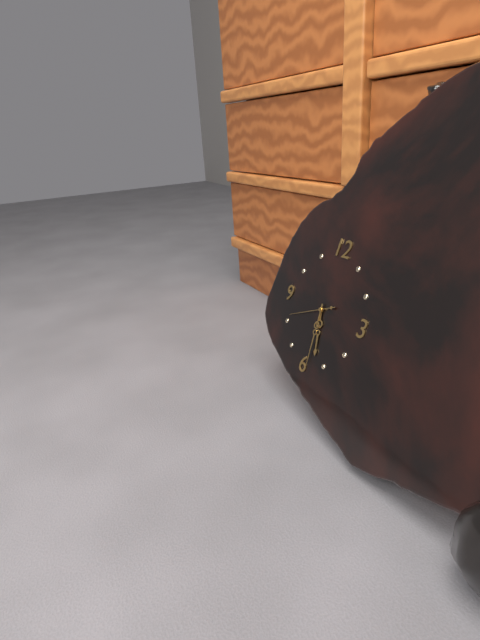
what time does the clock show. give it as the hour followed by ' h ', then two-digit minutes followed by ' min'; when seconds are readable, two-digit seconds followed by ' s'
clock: 5 h 29 min
